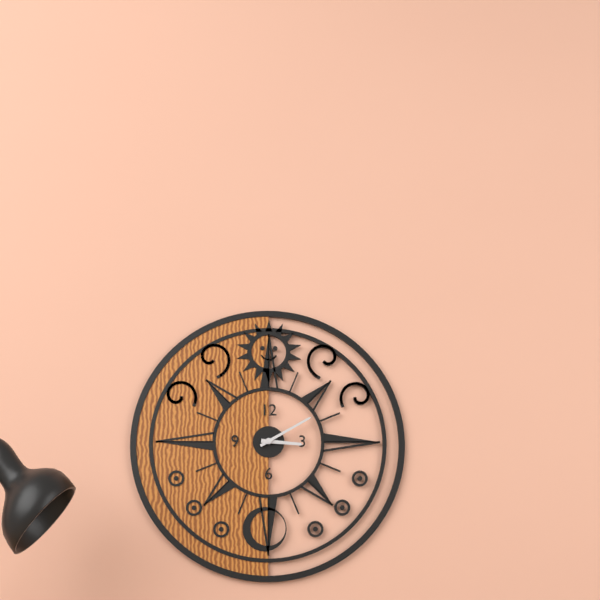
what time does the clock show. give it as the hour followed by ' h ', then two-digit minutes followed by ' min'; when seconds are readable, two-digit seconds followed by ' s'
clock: 3 h 10 min
